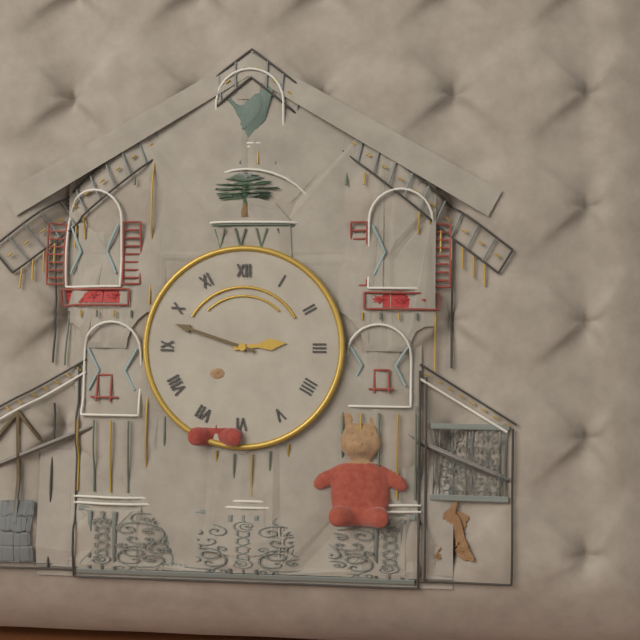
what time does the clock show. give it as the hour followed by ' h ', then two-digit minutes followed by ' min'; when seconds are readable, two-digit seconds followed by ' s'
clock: 2 h 48 min
